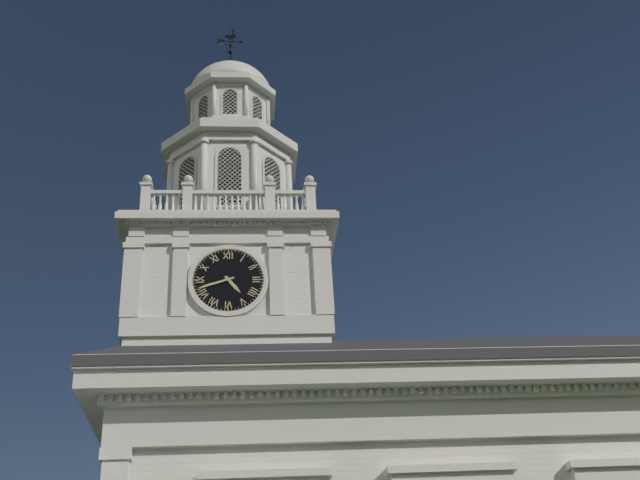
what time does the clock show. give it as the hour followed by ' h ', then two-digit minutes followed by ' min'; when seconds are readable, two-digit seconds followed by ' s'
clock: 4 h 42 min
